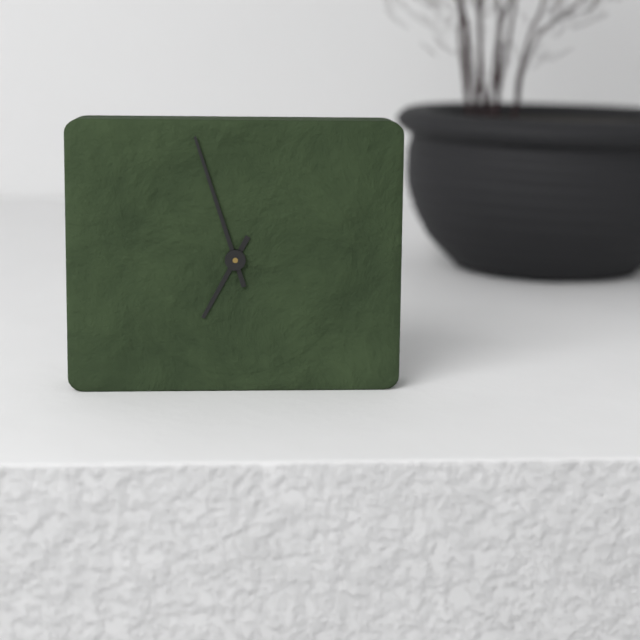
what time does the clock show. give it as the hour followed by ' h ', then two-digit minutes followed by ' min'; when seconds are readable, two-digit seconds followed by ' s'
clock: 6 h 57 min
